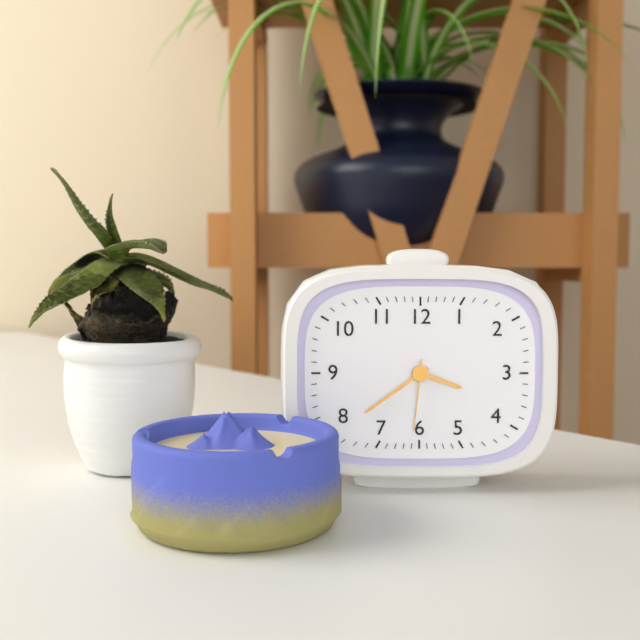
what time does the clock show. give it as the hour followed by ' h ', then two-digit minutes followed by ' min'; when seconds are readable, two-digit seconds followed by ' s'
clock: 3 h 39 min 31 s
